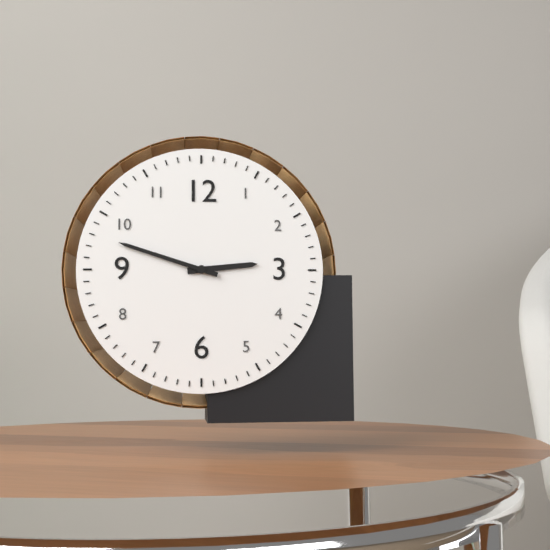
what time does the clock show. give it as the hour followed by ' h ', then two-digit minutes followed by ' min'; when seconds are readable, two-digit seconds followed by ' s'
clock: 2 h 48 min
